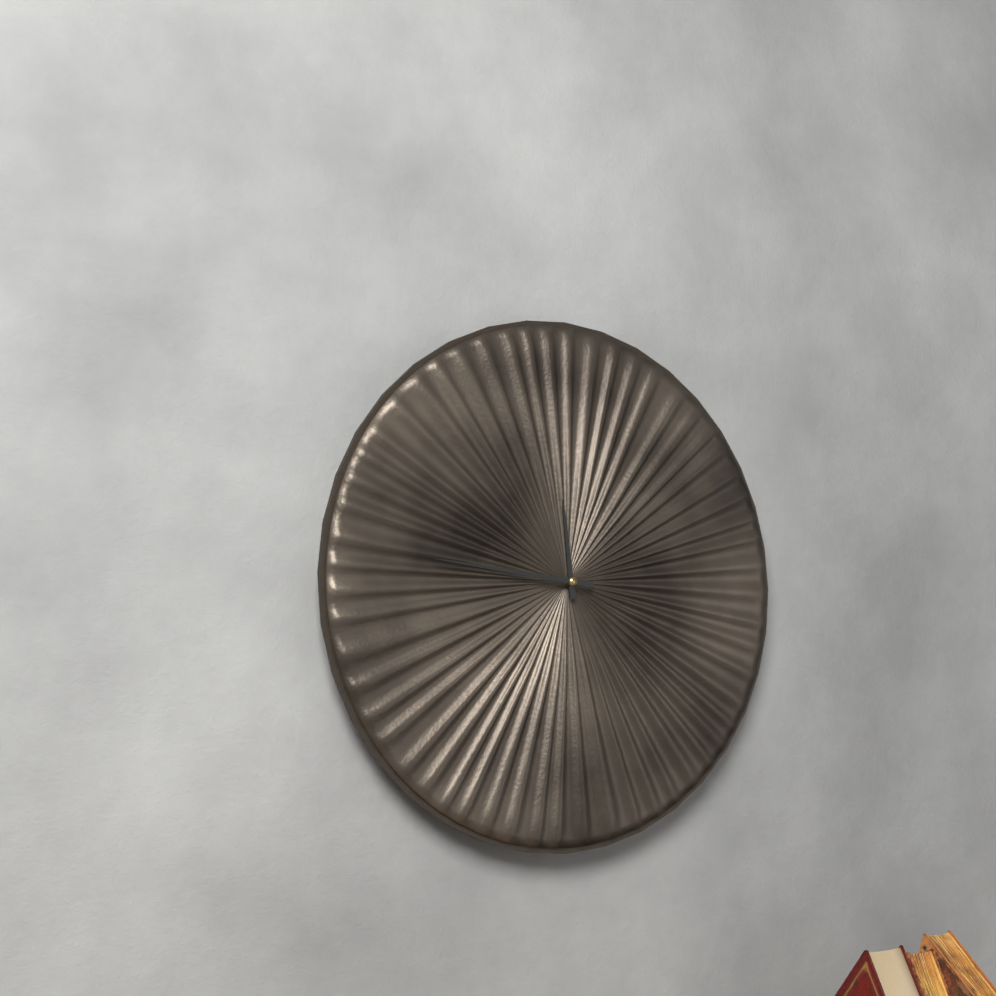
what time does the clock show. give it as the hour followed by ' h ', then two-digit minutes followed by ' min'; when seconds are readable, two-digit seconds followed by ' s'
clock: 11 h 46 min
